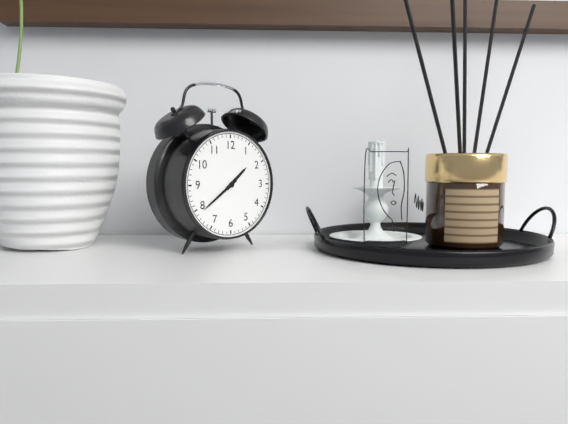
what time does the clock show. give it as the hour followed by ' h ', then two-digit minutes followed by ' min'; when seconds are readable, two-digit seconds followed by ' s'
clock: 1 h 39 min
